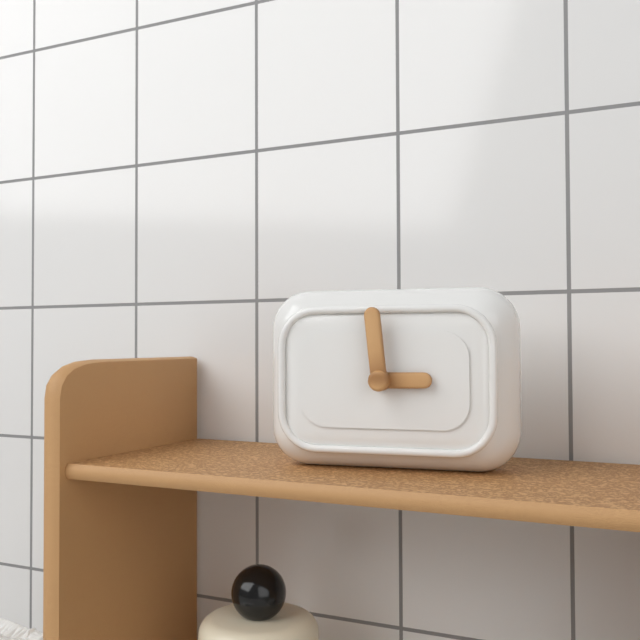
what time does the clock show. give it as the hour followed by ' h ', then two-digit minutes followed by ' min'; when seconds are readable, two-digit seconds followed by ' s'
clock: 2 h 59 min
